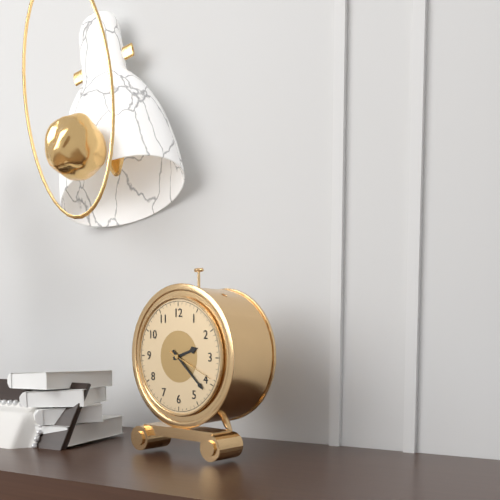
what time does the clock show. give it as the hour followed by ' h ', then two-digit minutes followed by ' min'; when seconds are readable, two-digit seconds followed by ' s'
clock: 2 h 22 min
